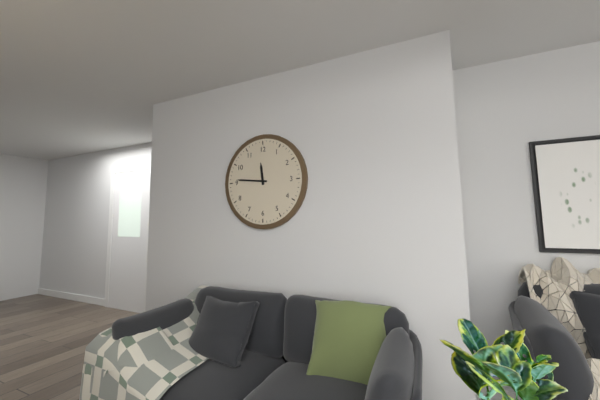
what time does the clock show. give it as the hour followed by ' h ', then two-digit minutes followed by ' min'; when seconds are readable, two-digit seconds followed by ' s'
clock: 11 h 46 min
